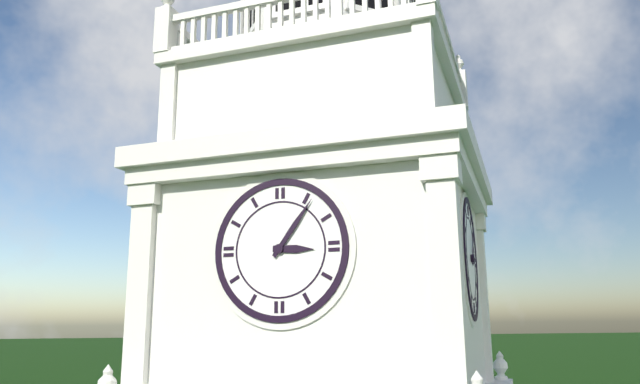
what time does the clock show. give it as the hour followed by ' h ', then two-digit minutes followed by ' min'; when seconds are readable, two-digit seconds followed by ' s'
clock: 3 h 06 min
